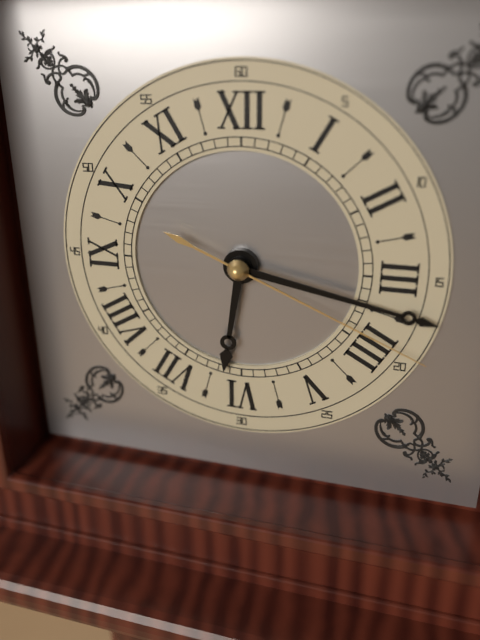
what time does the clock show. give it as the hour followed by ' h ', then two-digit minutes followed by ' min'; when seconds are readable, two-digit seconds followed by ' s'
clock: 6 h 17 min 19 s
